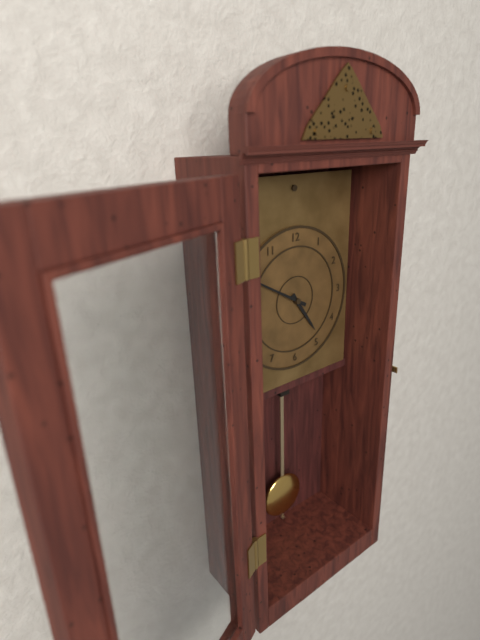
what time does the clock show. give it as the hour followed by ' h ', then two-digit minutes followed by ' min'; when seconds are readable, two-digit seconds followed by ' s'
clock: 4 h 50 min
